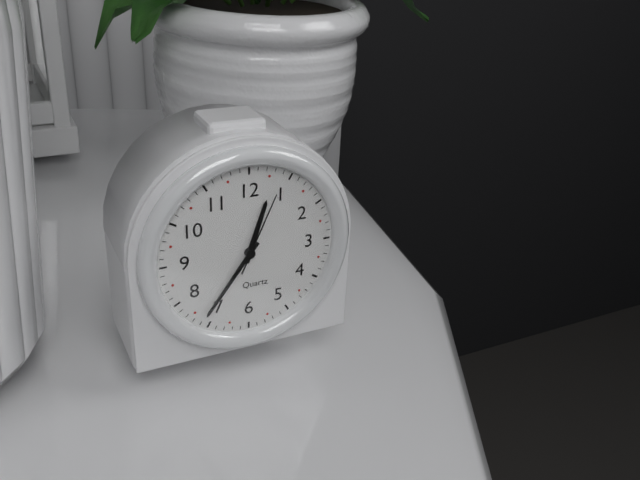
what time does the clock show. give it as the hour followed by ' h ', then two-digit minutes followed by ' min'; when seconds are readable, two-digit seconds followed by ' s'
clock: 12 h 36 min 04 s
